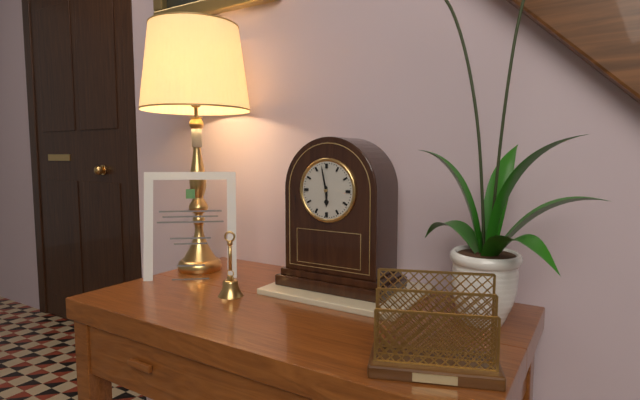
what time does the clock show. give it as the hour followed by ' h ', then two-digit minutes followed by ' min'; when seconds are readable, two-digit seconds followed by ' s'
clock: 5 h 58 min
